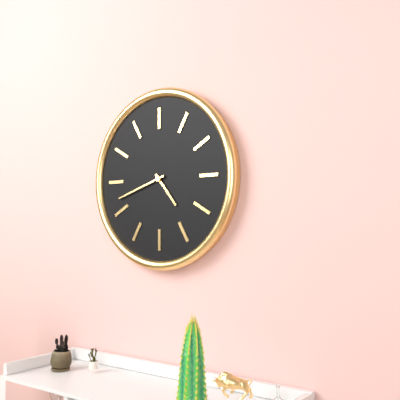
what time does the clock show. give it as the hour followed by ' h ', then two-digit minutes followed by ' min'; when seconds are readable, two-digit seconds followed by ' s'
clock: 4 h 42 min
